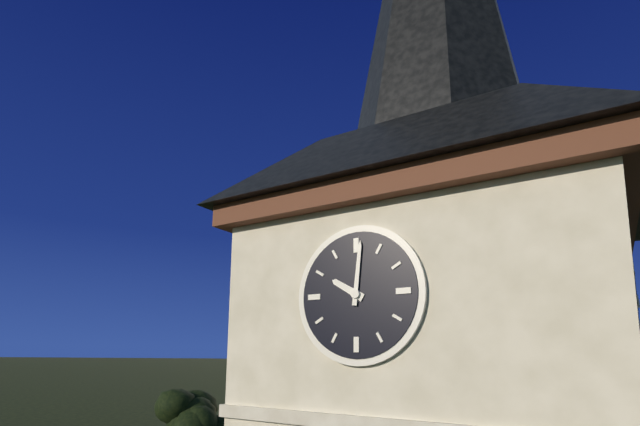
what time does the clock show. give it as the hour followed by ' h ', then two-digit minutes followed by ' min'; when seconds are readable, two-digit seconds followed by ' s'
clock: 10 h 01 min
